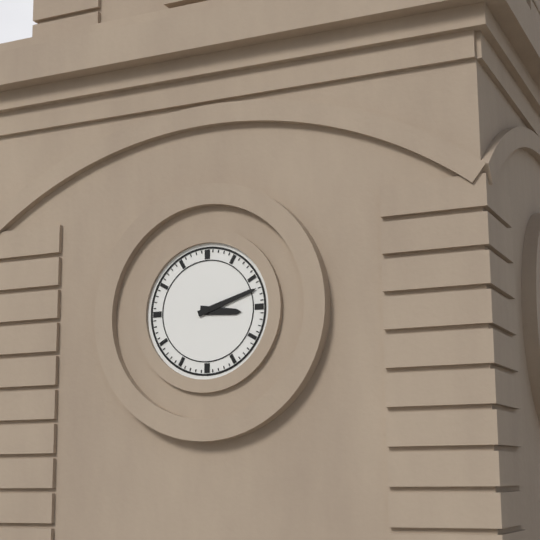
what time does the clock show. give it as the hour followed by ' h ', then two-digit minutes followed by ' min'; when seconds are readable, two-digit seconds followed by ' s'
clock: 3 h 12 min
